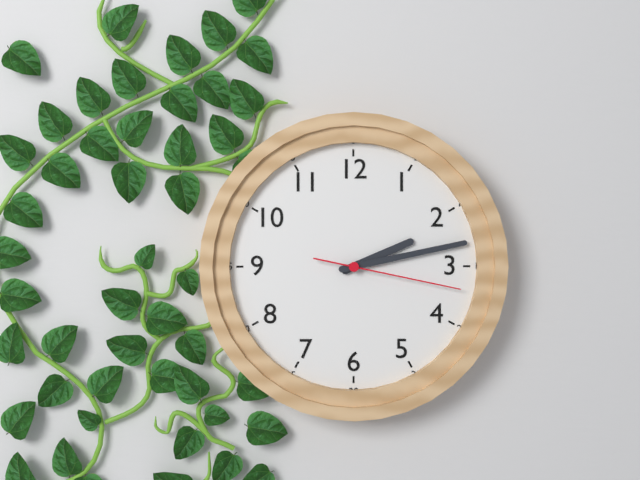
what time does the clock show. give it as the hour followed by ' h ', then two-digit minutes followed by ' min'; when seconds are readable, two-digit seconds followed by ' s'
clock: 2 h 13 min 17 s
